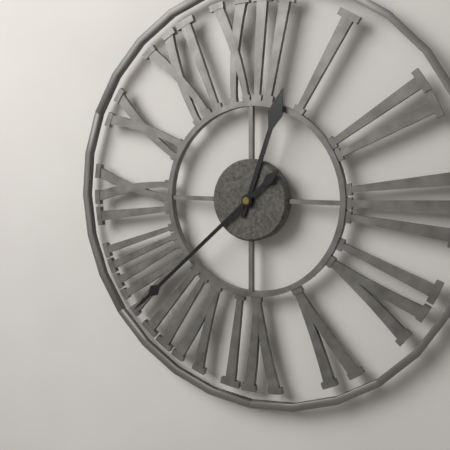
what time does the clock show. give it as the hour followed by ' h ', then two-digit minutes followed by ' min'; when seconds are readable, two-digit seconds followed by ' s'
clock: 12 h 38 min
